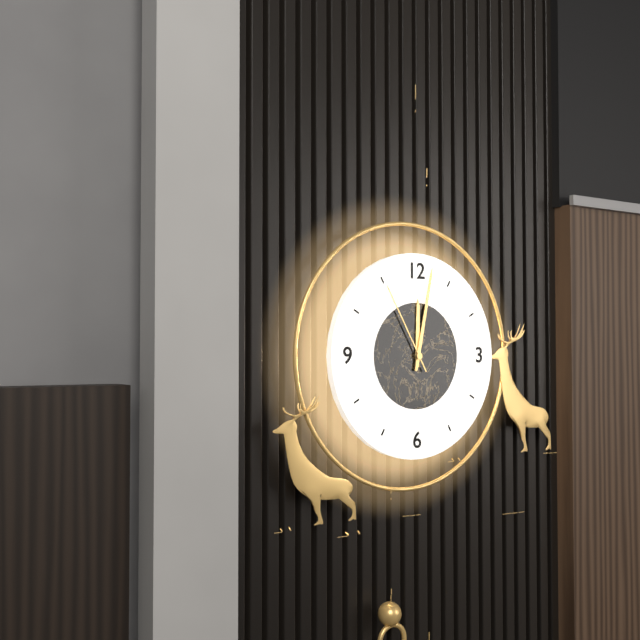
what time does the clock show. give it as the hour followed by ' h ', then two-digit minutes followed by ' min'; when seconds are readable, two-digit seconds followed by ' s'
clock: 12 h 02 min 55 s
